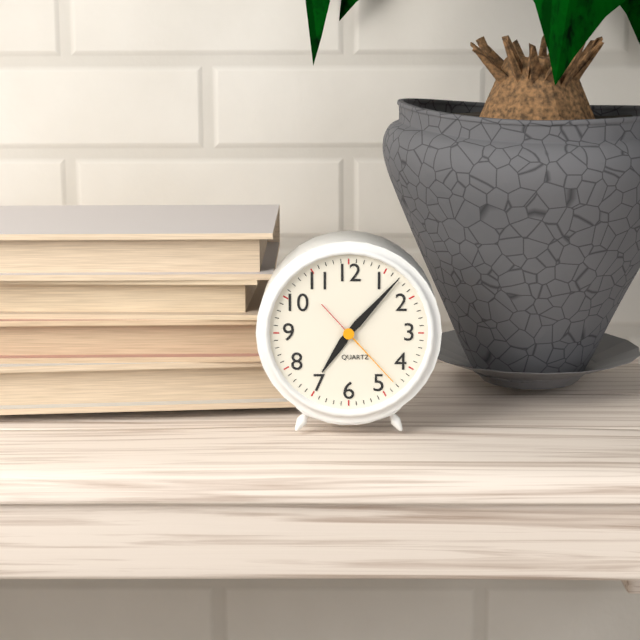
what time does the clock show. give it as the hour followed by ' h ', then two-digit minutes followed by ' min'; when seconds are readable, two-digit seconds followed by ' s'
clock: 7 h 07 min 23 s
